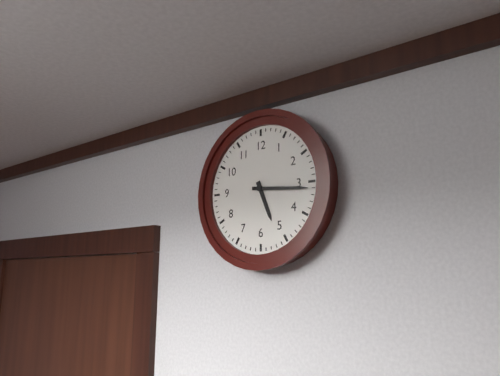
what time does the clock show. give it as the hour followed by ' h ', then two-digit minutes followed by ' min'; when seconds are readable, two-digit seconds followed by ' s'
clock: 5 h 16 min
